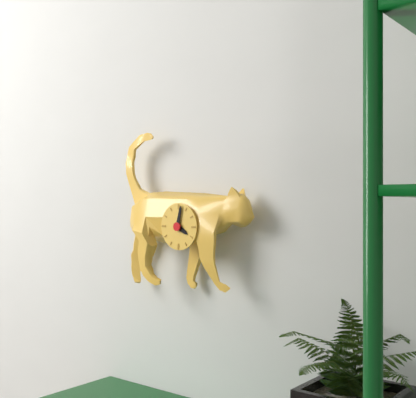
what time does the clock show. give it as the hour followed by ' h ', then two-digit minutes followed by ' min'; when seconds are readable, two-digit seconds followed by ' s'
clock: 4 h 02 min
